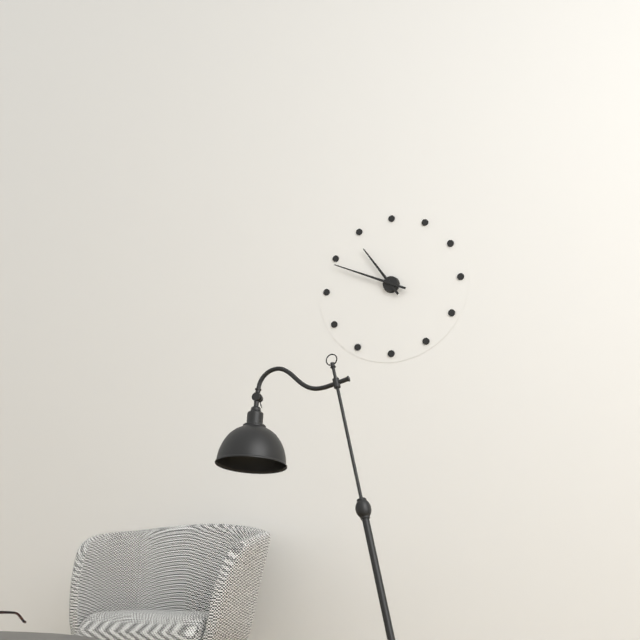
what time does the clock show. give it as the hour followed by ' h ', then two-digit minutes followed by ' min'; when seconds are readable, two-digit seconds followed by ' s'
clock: 10 h 49 min
